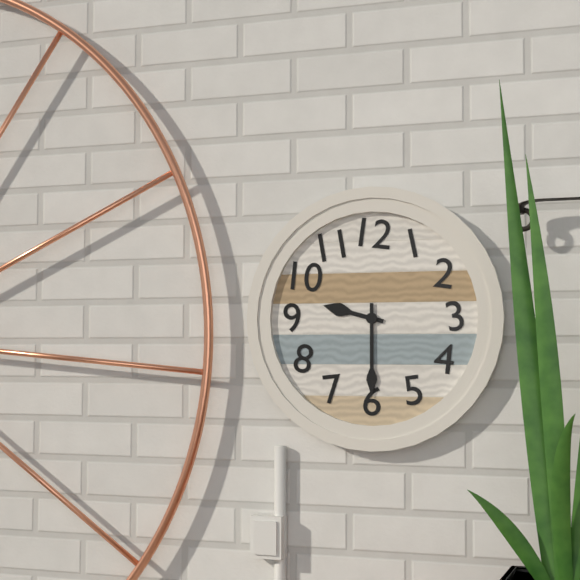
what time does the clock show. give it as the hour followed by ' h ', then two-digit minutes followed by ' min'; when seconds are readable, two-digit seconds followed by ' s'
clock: 9 h 30 min
